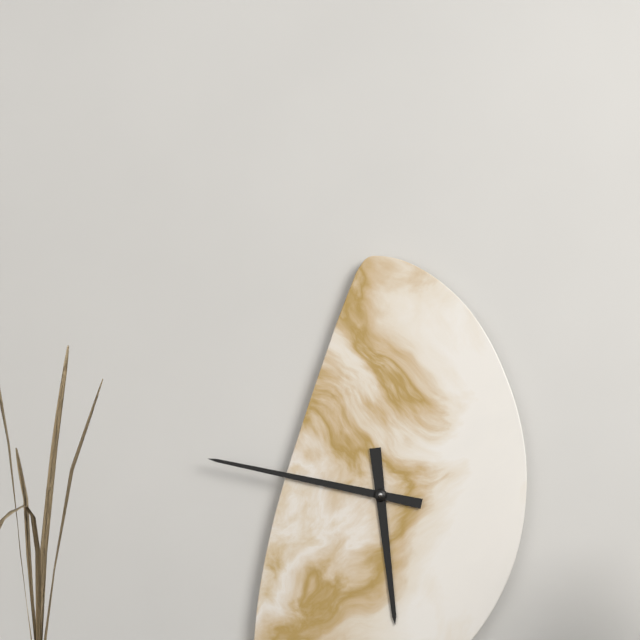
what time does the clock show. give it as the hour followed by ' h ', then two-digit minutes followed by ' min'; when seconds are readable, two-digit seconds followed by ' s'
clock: 5 h 47 min
